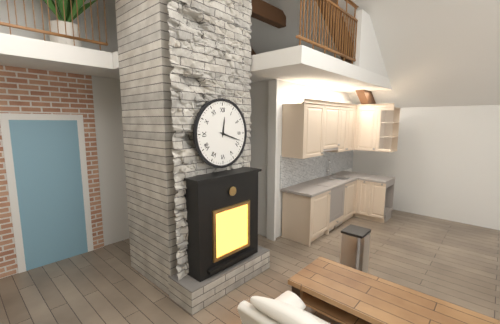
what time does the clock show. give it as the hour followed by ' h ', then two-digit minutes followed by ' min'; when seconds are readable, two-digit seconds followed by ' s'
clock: 12 h 18 min
